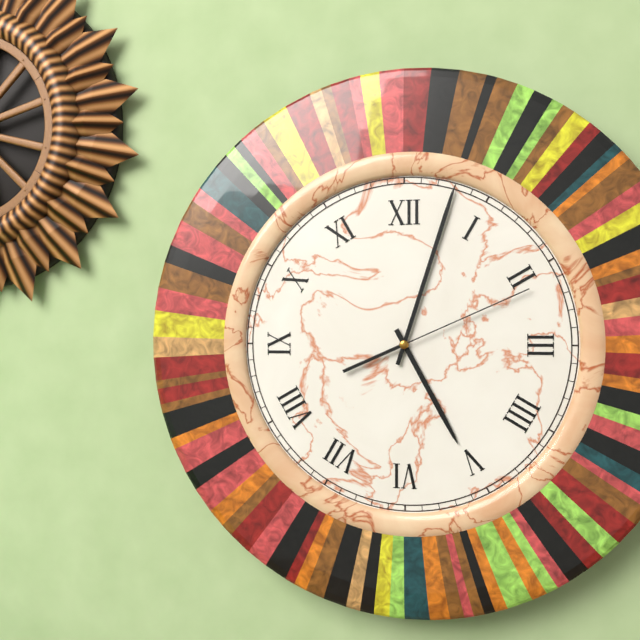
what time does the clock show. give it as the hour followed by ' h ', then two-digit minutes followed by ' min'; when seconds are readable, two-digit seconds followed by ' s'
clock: 5 h 03 min 11 s
